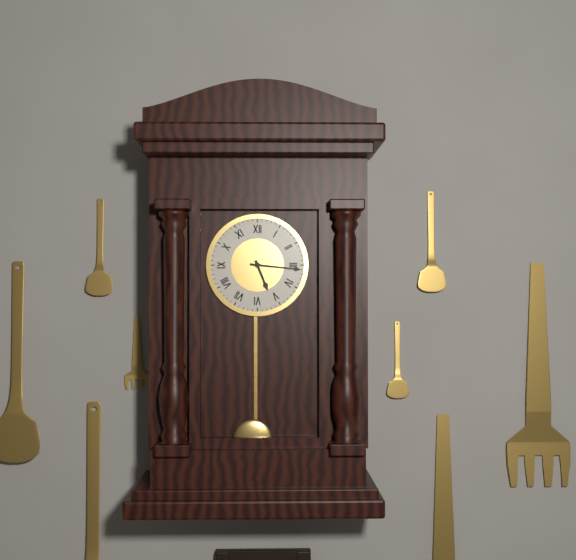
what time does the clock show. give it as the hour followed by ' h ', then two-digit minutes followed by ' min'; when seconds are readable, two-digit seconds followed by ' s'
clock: 5 h 16 min
